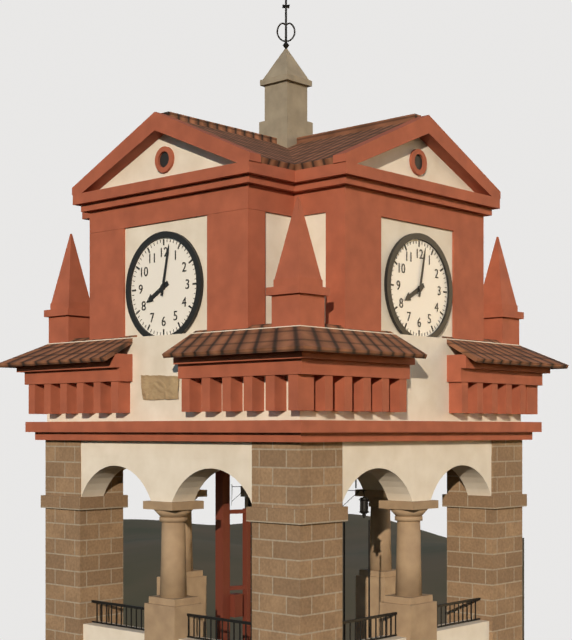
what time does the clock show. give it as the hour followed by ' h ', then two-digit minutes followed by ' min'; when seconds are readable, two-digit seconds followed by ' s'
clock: 8 h 02 min
